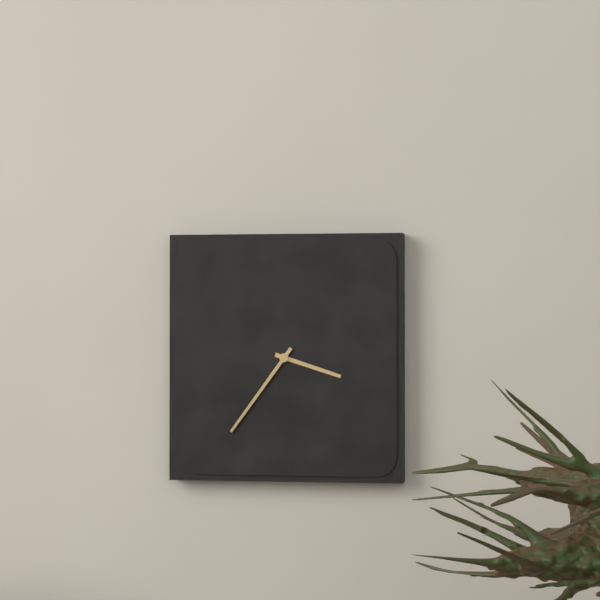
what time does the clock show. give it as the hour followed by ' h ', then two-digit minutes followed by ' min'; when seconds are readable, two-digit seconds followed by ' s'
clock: 3 h 36 min
